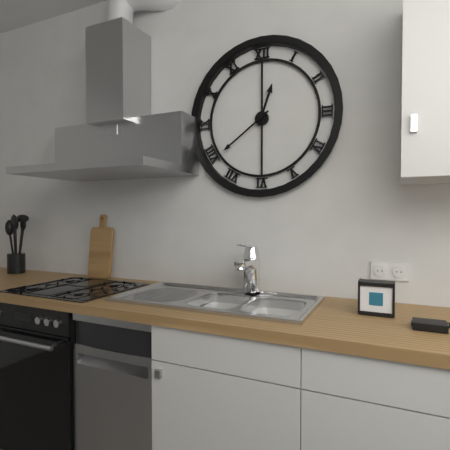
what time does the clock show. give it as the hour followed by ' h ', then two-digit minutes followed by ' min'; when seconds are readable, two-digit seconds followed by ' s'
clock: 12 h 39 min
